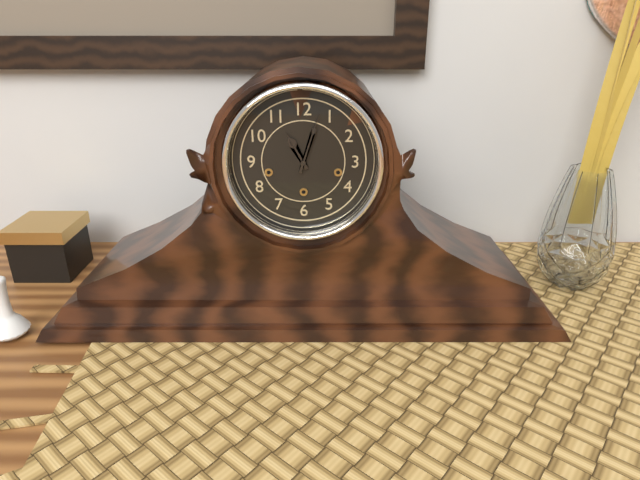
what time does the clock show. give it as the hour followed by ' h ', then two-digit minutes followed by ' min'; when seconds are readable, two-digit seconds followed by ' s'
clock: 11 h 03 min
